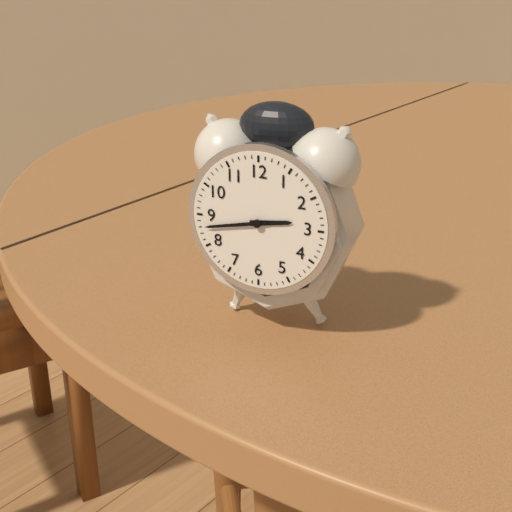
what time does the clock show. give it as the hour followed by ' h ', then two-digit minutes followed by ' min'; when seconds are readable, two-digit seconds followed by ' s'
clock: 2 h 43 min
